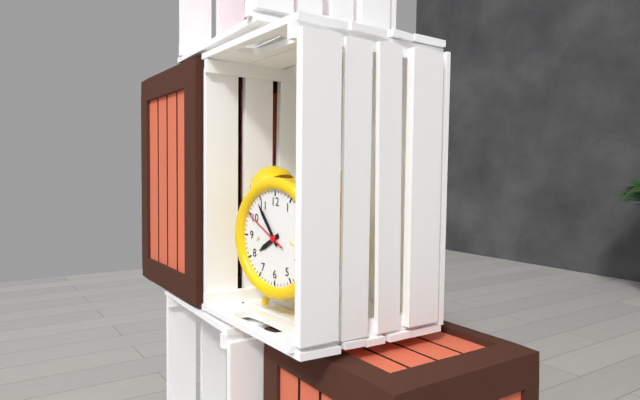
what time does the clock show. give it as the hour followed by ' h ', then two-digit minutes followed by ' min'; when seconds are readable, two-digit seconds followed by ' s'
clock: 7 h 54 min
